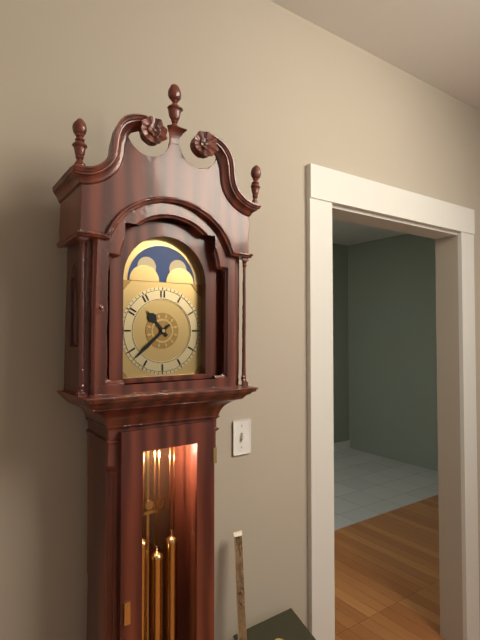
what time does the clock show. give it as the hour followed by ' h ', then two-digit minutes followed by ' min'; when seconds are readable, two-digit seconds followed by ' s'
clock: 10 h 38 min
